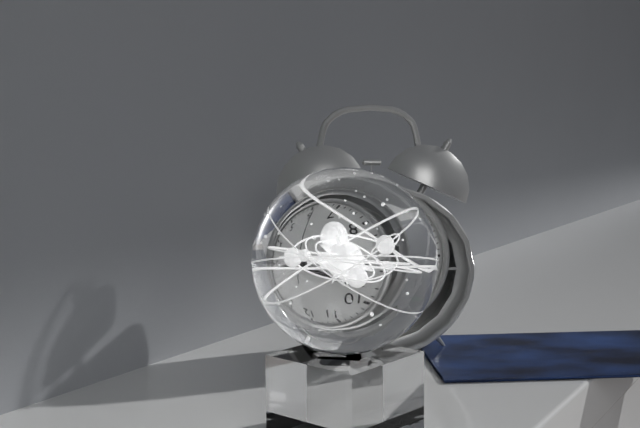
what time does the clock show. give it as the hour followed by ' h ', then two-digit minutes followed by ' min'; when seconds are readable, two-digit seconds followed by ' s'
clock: 2 h 48 min 31 s
